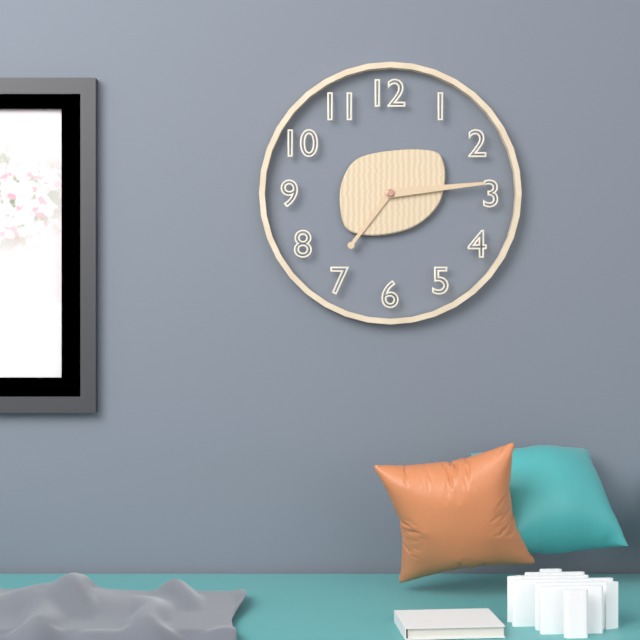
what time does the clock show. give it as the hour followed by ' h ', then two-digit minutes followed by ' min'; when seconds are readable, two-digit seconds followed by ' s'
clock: 7 h 14 min
